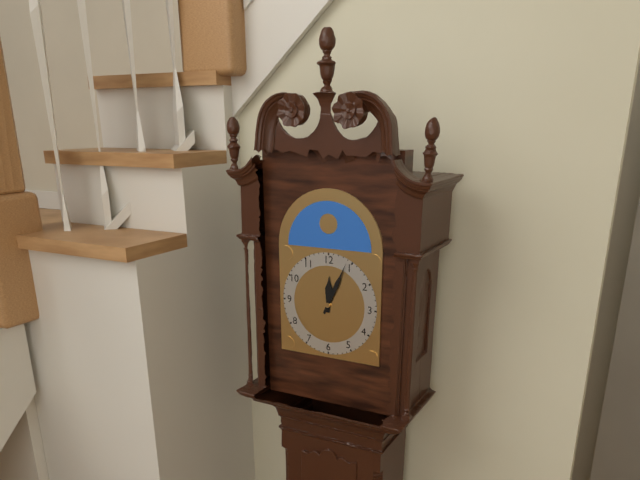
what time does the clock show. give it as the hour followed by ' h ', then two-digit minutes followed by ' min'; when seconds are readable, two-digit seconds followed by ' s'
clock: 12 h 04 min
